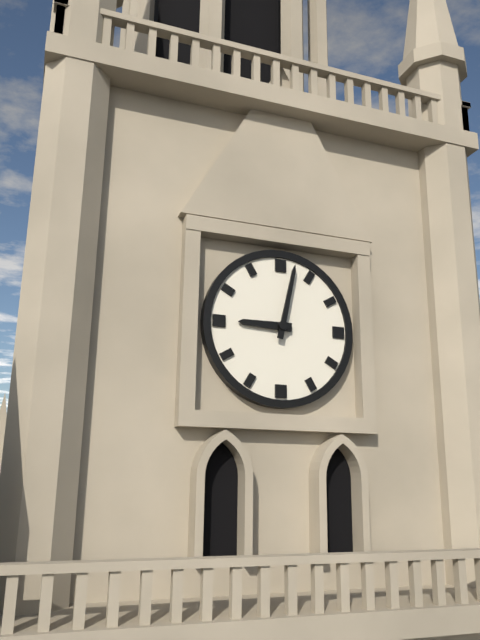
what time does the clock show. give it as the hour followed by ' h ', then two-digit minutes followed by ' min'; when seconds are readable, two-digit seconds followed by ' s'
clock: 9 h 02 min
